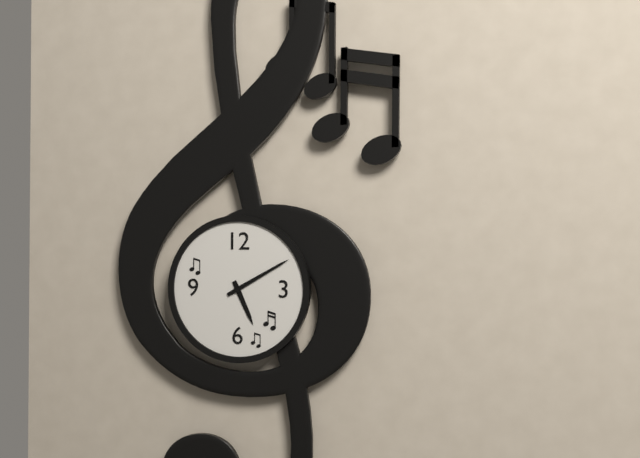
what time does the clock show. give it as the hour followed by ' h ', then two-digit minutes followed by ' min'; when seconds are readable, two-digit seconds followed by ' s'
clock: 5 h 10 min
